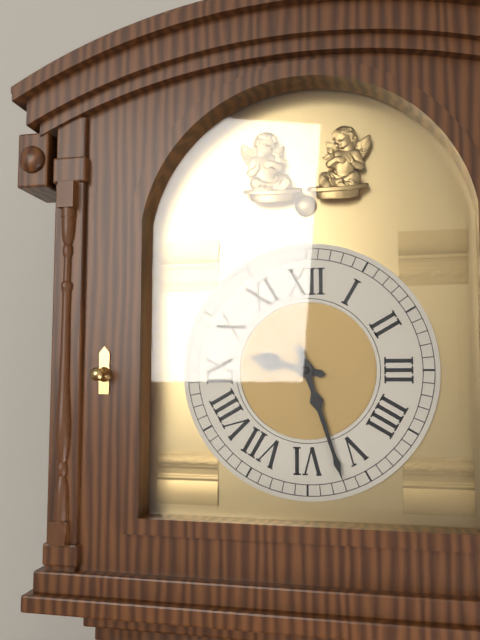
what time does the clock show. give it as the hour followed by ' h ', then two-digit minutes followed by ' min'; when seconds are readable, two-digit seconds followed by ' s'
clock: 9 h 27 min
